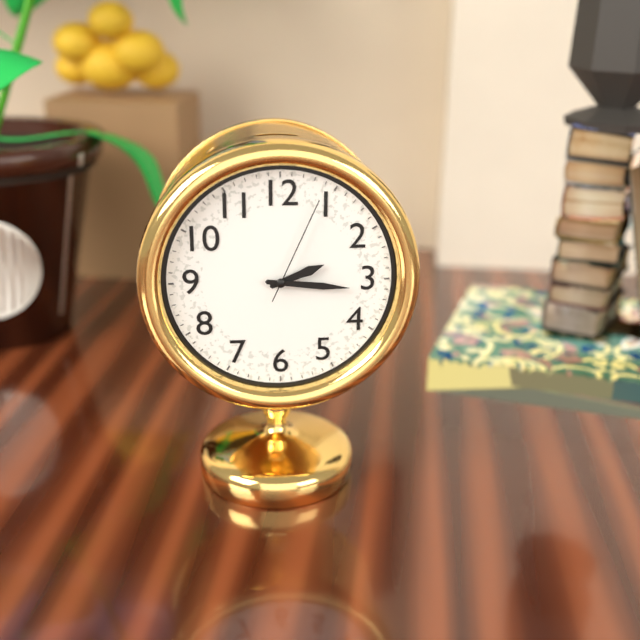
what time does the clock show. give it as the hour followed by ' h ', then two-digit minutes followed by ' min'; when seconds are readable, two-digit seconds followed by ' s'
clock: 2 h 16 min 04 s
